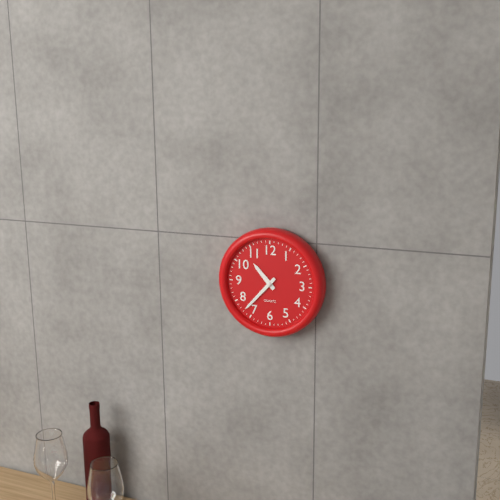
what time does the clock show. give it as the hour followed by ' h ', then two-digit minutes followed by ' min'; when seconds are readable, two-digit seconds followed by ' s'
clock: 10 h 37 min
